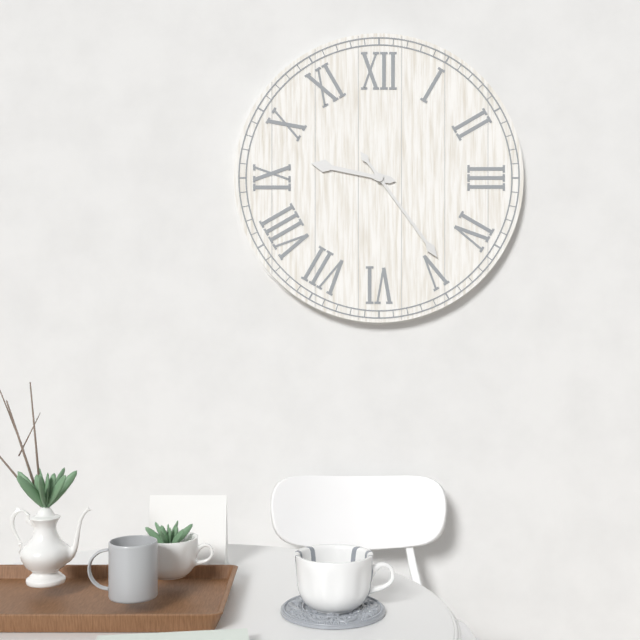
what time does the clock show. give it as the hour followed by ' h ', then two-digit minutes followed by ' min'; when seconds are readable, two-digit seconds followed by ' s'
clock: 9 h 24 min
